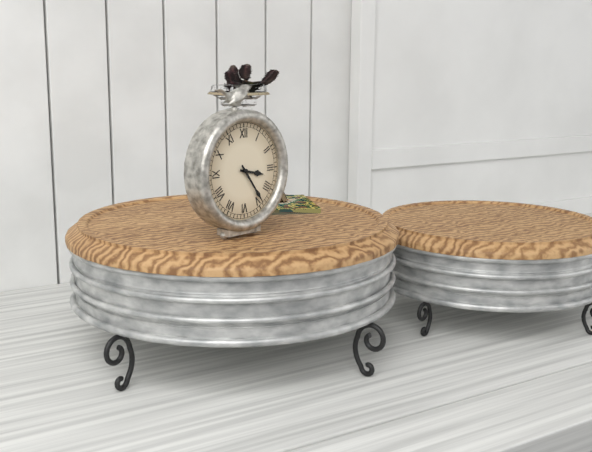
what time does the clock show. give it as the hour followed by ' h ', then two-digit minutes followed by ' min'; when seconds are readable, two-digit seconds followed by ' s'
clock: 3 h 24 min
